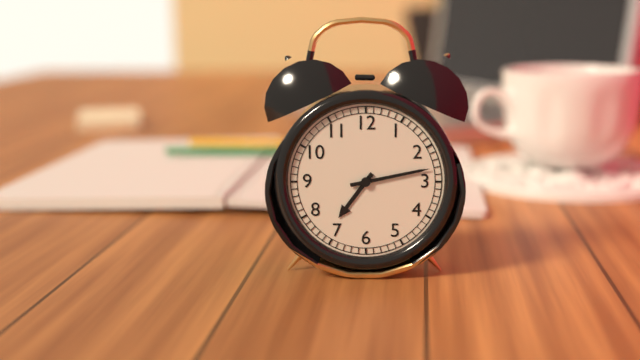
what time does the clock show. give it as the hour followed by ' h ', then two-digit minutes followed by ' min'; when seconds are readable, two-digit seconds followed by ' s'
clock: 7 h 13 min
